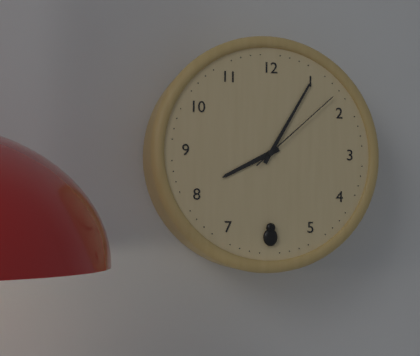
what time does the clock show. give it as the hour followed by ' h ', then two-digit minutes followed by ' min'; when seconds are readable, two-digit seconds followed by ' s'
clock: 8 h 05 min 08 s
